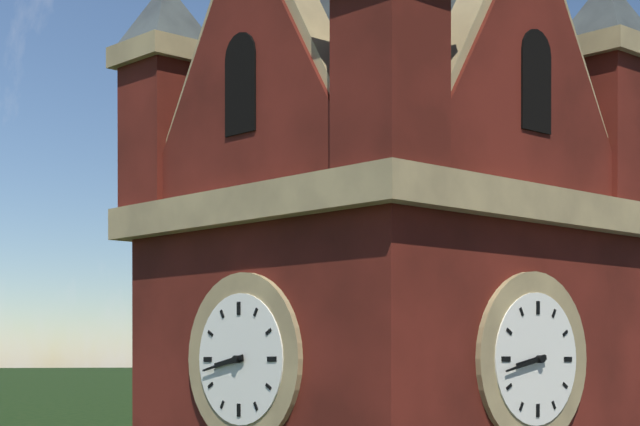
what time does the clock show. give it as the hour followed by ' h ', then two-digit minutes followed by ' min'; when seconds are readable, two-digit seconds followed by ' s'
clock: 8 h 43 min
